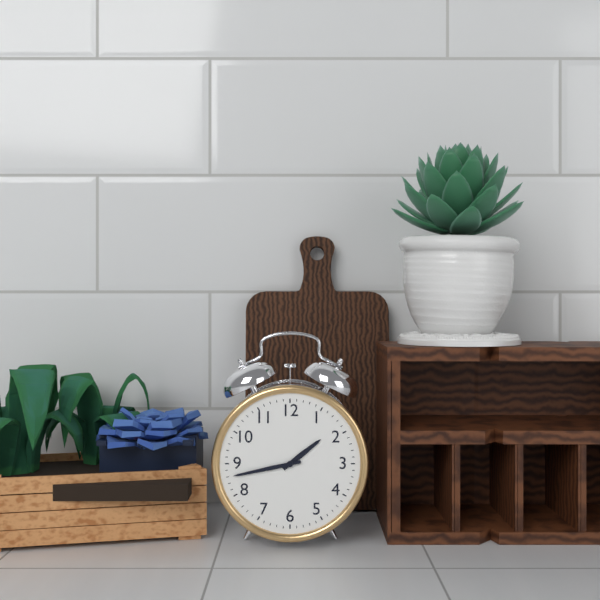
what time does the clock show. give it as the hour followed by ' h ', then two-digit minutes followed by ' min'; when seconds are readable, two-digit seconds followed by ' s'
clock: 1 h 43 min
